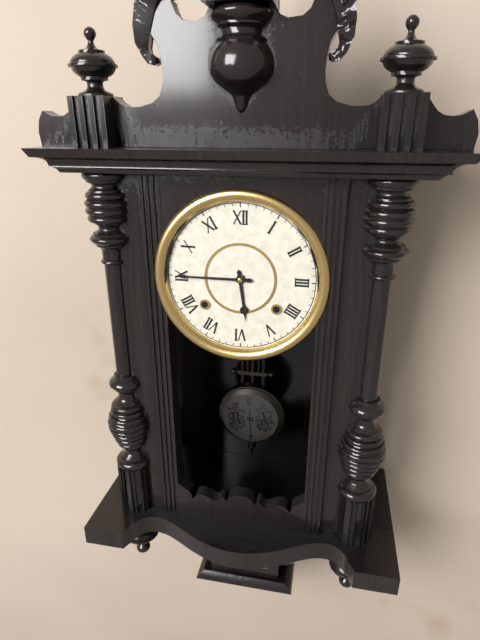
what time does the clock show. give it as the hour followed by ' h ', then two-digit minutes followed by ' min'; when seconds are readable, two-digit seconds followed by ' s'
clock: 5 h 45 min
